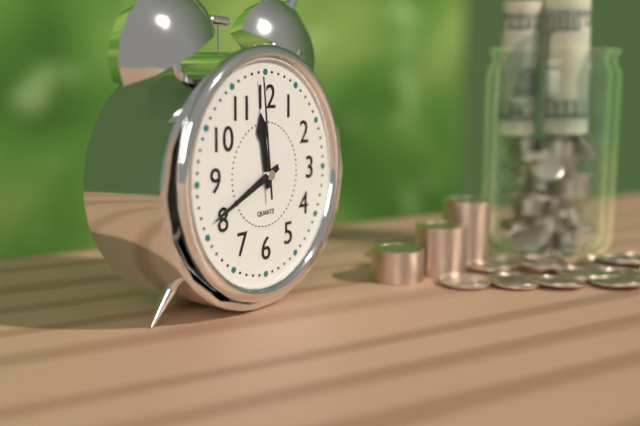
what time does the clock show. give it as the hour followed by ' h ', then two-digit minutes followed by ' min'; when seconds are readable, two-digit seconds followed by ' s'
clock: 11 h 41 min 59 s
